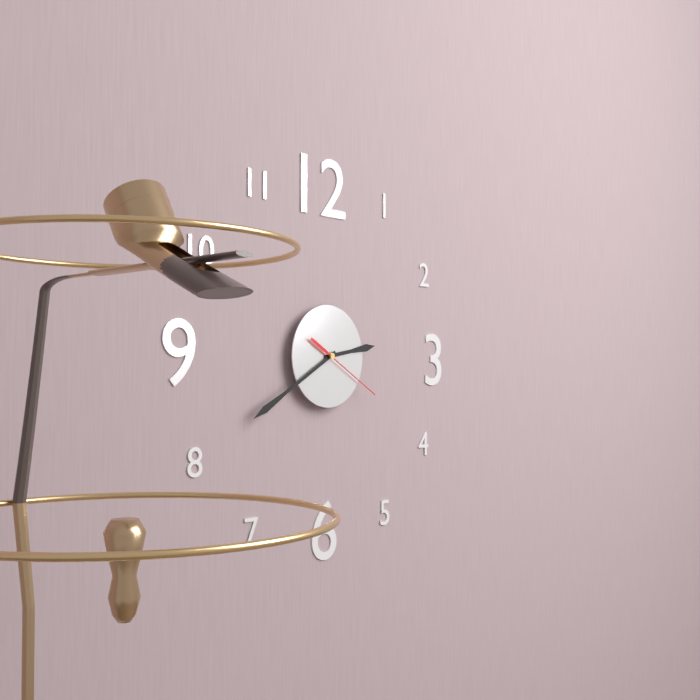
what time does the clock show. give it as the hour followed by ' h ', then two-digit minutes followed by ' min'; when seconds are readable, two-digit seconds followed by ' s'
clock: 2 h 40 min 20 s
